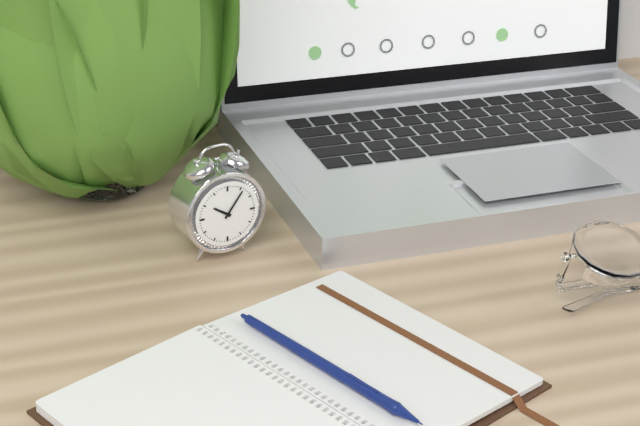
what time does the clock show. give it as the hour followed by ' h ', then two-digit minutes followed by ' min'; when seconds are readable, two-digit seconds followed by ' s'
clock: 10 h 06 min
